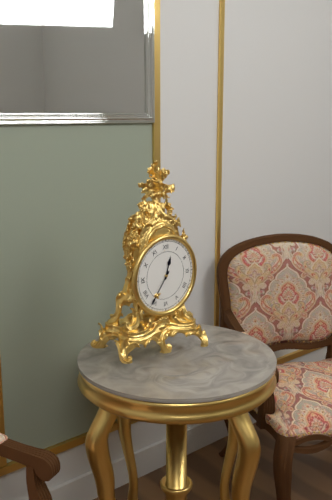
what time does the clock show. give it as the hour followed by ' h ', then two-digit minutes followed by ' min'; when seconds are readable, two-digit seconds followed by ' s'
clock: 12 h 36 min
